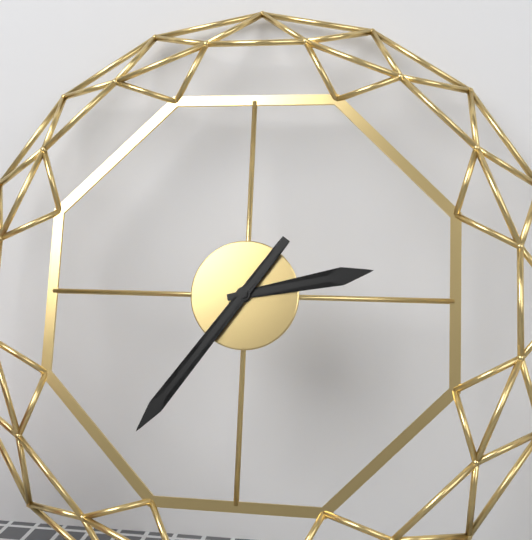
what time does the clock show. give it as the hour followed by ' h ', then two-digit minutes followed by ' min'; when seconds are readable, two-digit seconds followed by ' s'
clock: 2 h 36 min
